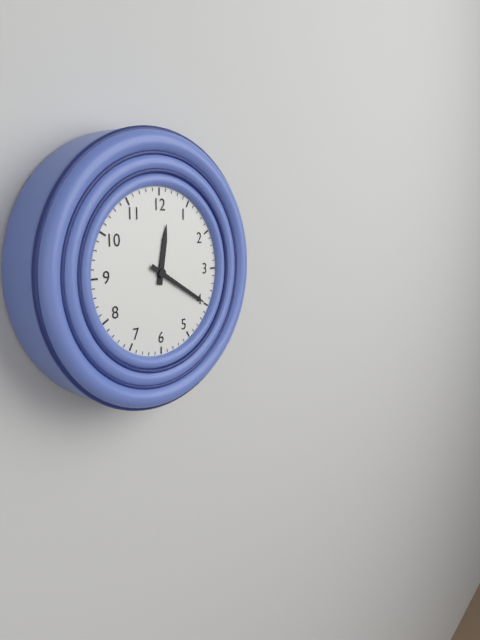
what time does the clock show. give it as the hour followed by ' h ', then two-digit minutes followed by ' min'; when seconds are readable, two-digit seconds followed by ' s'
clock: 12 h 20 min
